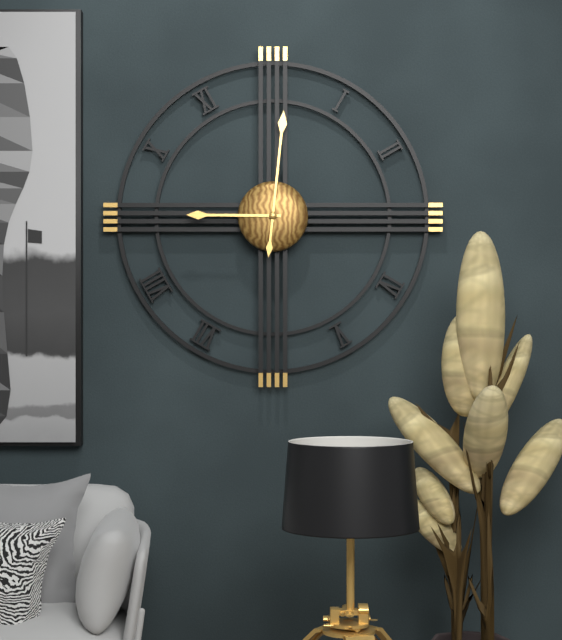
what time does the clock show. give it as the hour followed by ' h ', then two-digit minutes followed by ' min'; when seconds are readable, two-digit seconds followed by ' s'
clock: 9 h 01 min
